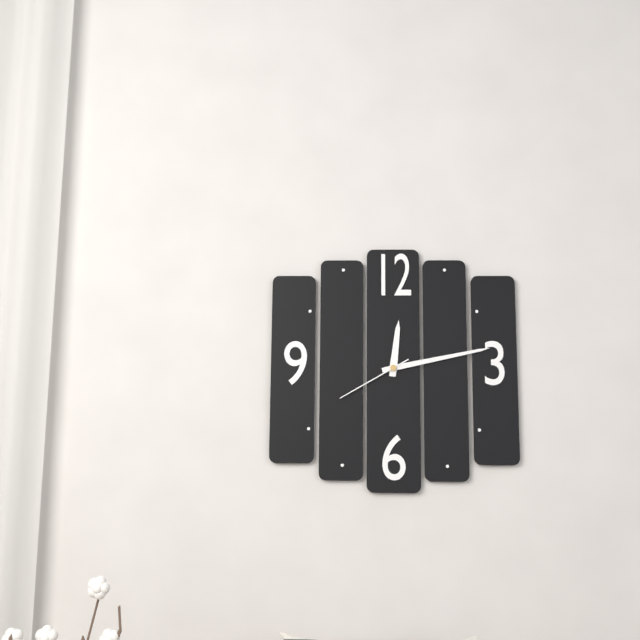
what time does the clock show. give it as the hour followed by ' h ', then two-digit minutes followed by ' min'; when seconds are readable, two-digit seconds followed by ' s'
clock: 12 h 13 min 40 s
